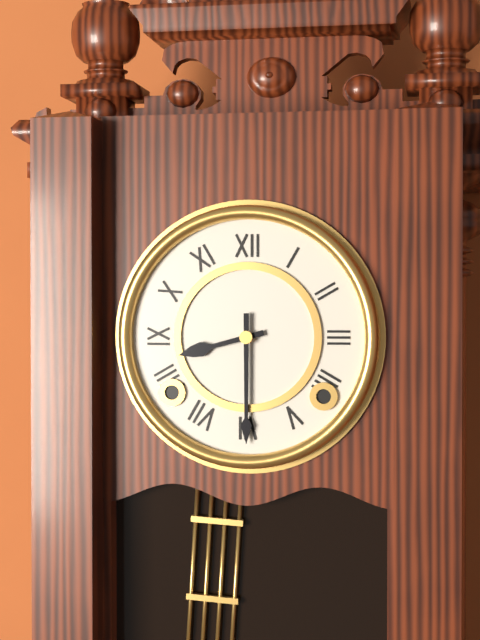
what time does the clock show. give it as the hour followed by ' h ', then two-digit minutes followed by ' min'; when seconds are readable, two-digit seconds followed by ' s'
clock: 8 h 30 min
